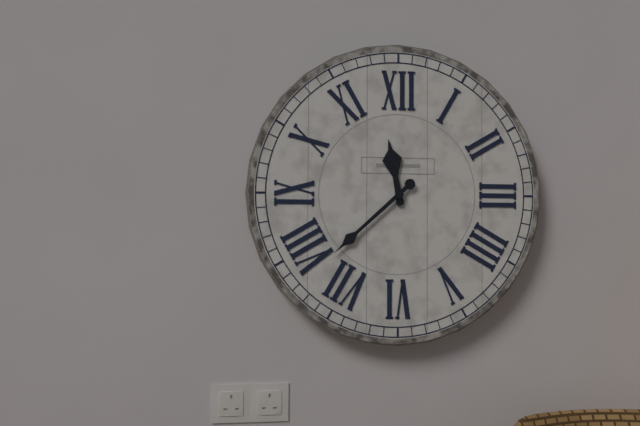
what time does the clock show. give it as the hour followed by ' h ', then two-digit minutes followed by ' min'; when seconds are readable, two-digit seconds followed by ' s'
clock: 11 h 38 min
